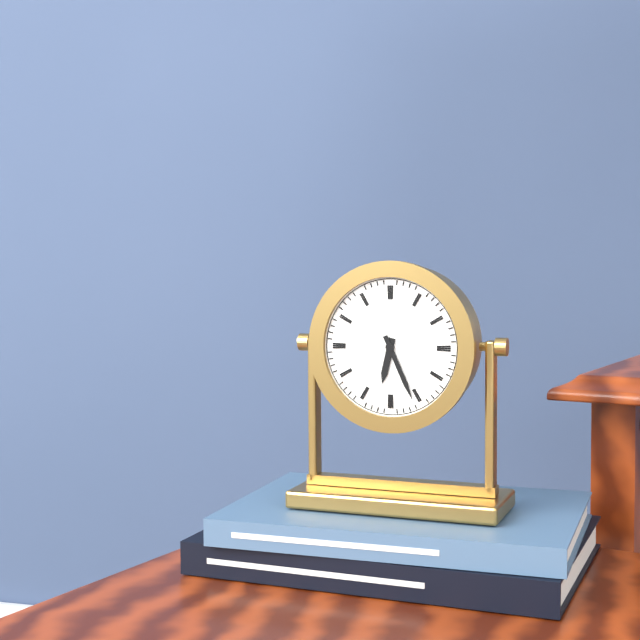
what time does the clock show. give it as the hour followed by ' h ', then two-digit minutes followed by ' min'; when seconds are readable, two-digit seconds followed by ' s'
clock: 6 h 26 min
